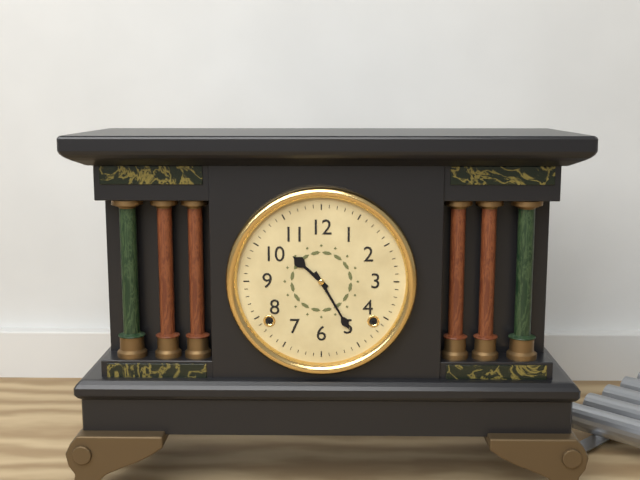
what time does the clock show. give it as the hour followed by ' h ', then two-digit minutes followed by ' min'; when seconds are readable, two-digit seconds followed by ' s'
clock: 10 h 25 min
